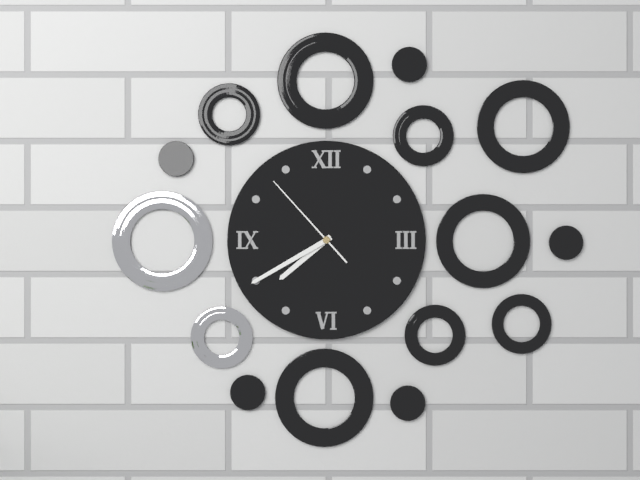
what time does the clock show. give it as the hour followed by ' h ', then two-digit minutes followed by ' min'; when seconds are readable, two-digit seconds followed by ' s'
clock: 7 h 40 min 53 s
